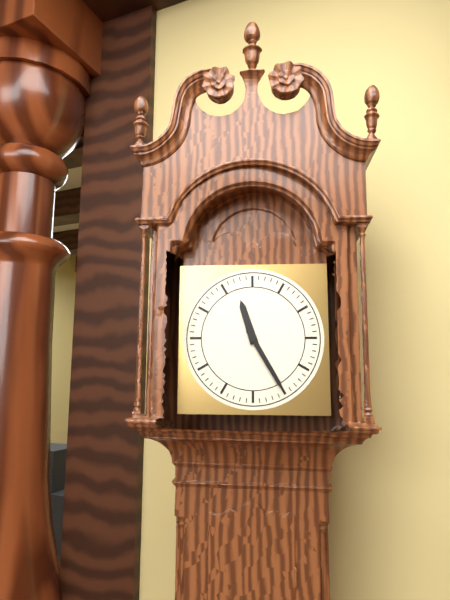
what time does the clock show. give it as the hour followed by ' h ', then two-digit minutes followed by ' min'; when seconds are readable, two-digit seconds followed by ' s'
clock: 11 h 25 min
